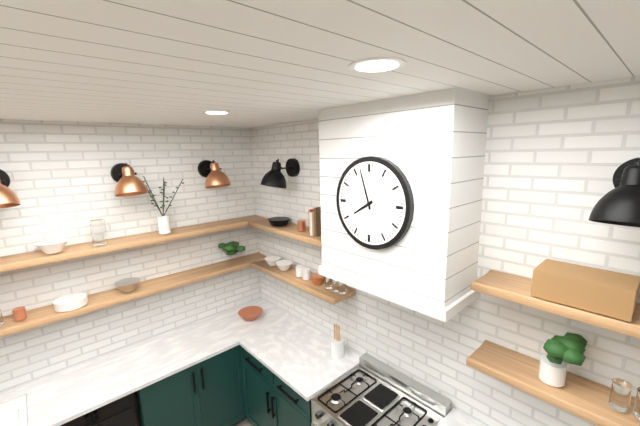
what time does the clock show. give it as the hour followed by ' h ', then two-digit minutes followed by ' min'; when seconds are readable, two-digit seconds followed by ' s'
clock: 7 h 57 min
